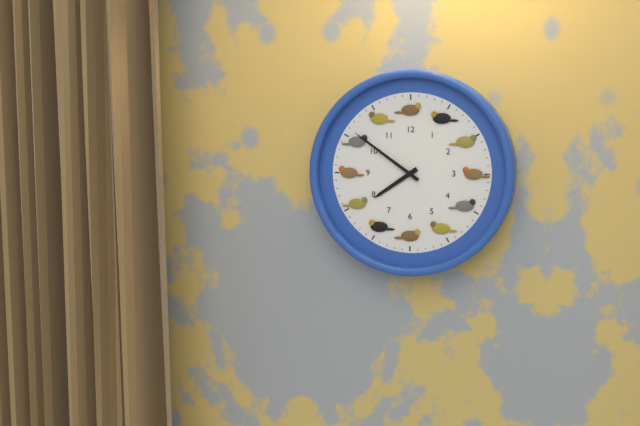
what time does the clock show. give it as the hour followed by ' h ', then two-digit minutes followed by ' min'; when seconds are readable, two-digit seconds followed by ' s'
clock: 7 h 51 min
